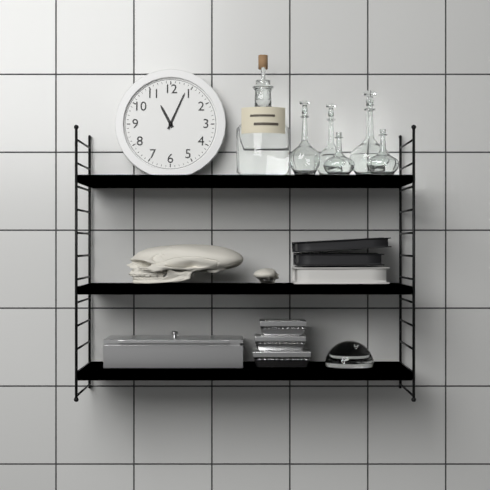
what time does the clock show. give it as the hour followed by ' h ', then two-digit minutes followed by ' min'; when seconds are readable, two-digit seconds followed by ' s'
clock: 11 h 04 min
